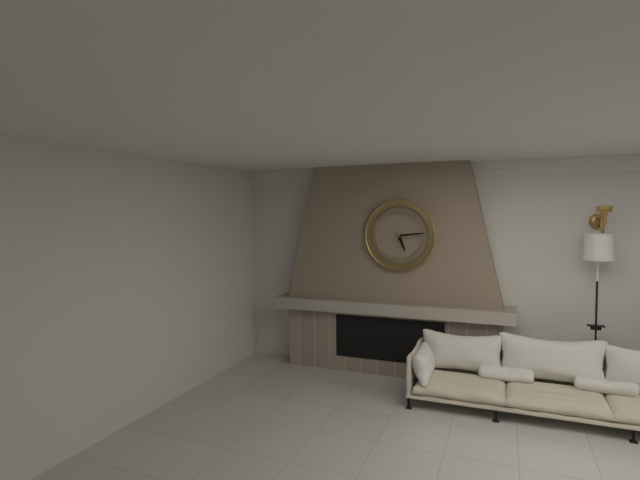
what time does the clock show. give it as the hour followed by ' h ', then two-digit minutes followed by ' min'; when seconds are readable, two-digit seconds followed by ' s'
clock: 5 h 14 min
